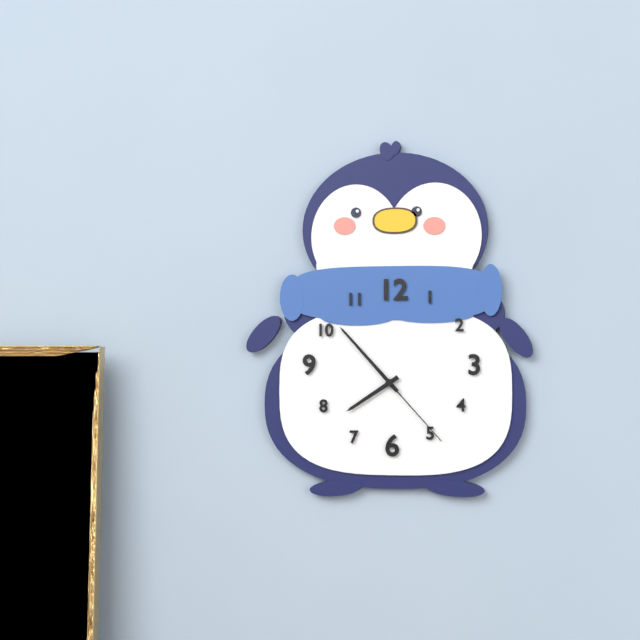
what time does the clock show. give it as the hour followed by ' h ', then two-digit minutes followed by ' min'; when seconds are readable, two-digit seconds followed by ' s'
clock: 7 h 53 min 23 s
